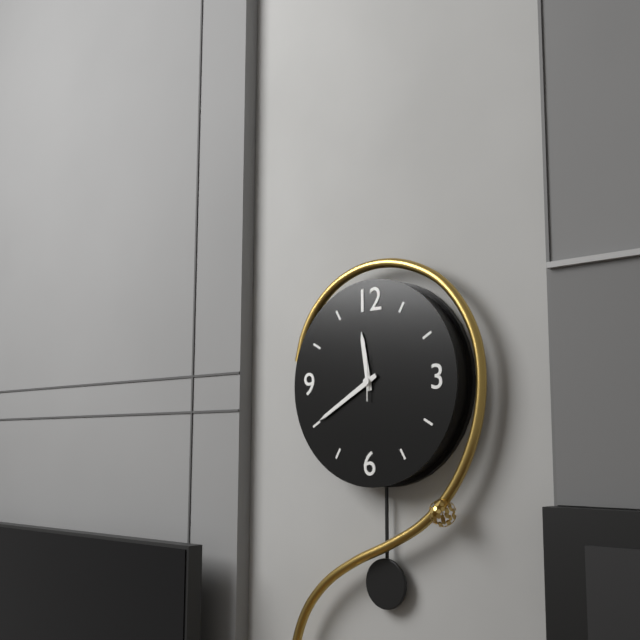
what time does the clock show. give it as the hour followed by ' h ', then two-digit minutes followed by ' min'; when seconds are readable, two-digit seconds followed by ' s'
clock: 11 h 40 min
